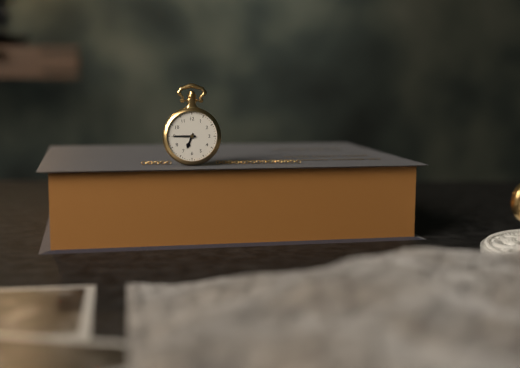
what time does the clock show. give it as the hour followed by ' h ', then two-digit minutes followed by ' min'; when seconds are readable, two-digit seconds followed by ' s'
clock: 6 h 45 min
